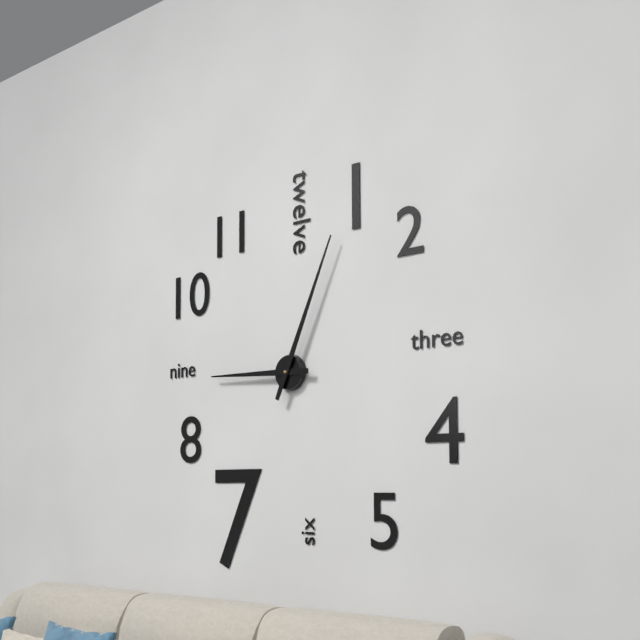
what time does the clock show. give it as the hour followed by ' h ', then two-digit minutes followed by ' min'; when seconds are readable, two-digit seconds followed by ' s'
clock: 9 h 04 min
